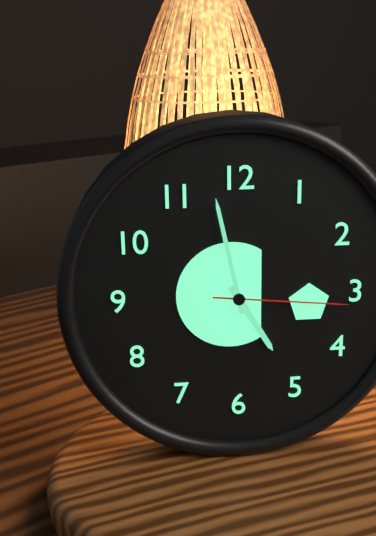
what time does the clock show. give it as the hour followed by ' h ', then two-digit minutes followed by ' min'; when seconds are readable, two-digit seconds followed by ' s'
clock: 4 h 58 min 16 s
